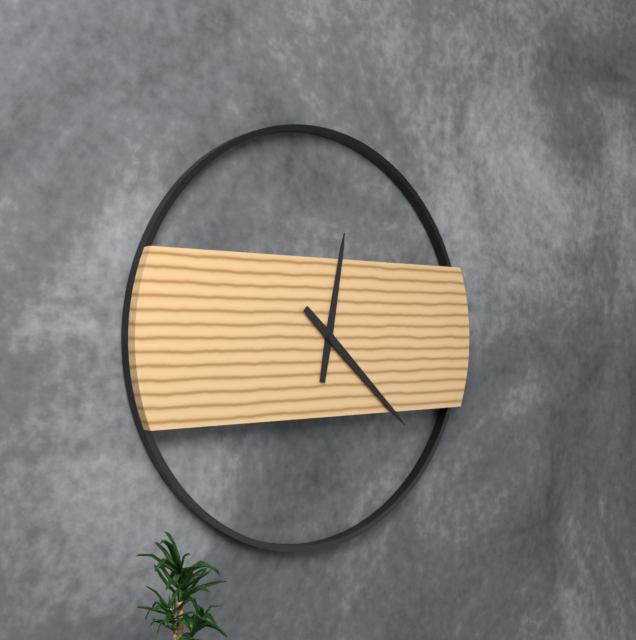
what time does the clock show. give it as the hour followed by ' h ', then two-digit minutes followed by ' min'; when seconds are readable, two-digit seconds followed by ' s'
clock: 12 h 22 min
